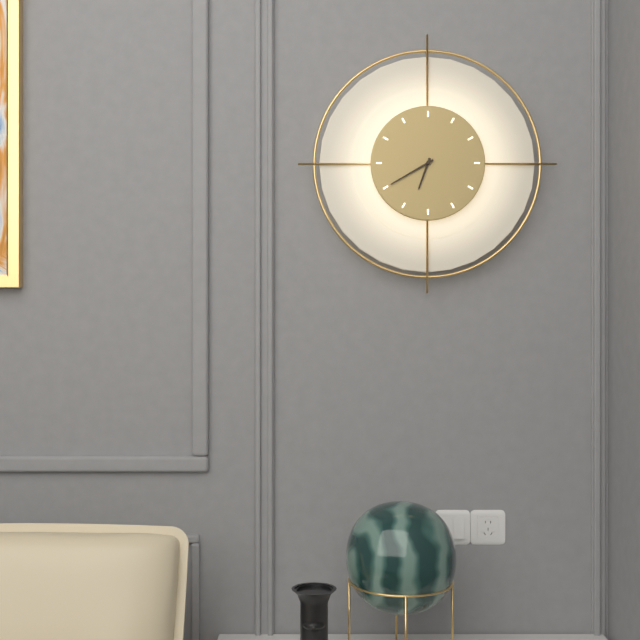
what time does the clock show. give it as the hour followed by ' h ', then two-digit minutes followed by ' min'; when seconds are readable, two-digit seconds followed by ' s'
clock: 6 h 40 min
